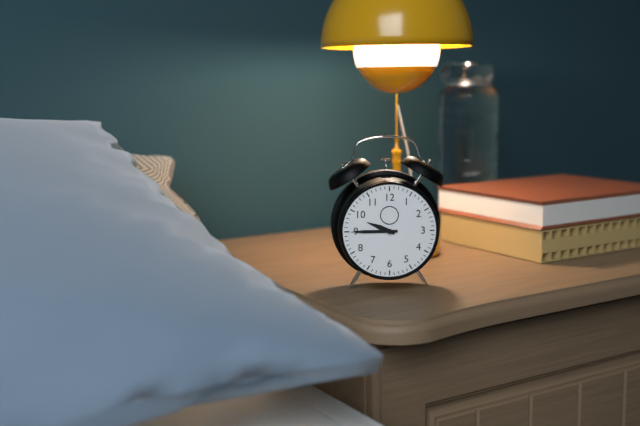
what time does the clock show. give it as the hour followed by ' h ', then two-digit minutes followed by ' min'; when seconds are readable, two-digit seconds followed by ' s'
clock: 9 h 45 min
